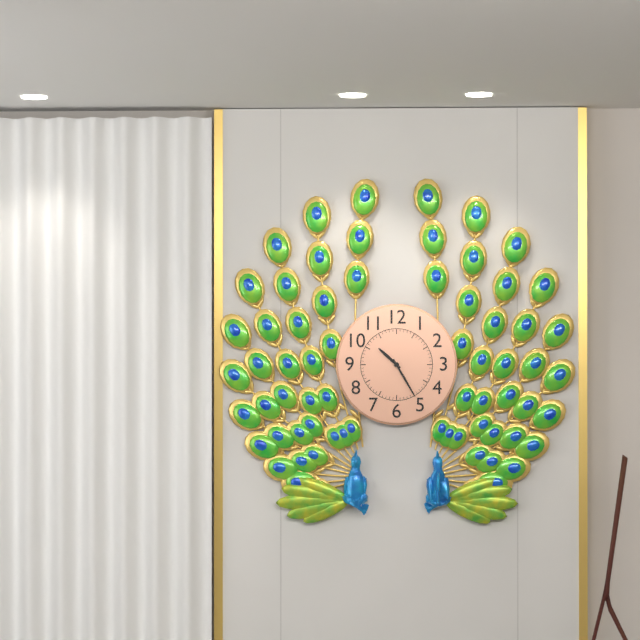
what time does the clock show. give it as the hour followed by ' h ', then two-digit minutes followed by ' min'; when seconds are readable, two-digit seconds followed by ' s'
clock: 10 h 25 min
